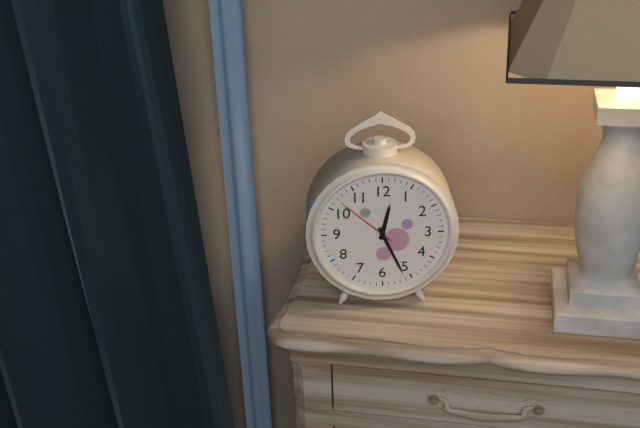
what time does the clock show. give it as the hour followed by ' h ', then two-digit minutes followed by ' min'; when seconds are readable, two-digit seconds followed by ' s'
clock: 12 h 26 min 52 s
